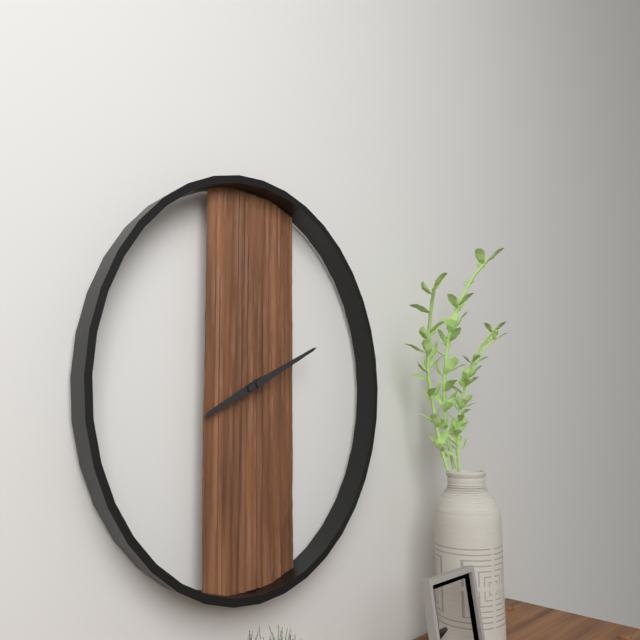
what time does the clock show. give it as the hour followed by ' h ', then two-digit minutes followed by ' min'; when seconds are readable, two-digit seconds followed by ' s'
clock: 8 h 11 min
